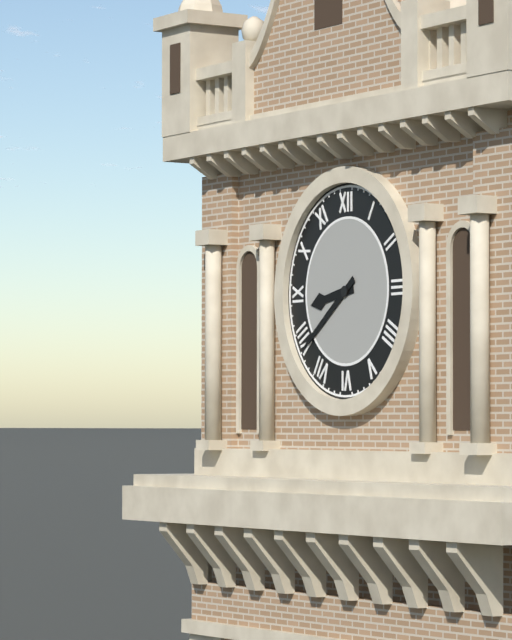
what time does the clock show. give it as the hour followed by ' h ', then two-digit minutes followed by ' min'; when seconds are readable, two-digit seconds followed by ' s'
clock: 8 h 39 min
